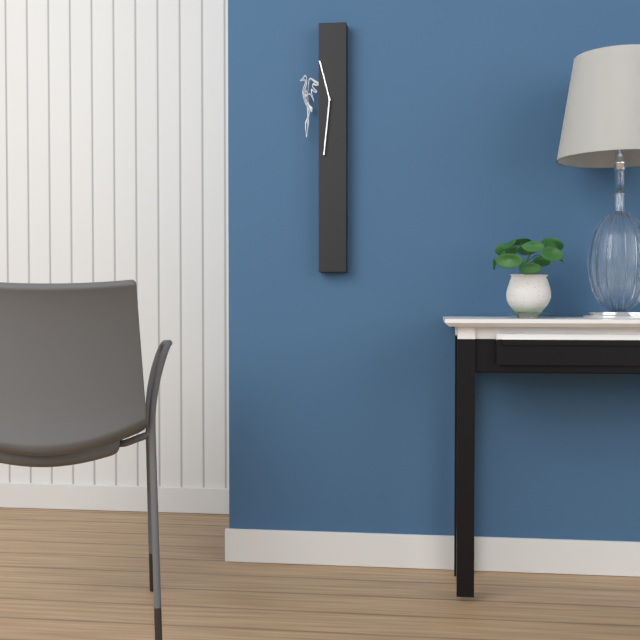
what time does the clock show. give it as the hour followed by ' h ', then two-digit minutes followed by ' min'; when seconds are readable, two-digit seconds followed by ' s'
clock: 11 h 31 min
